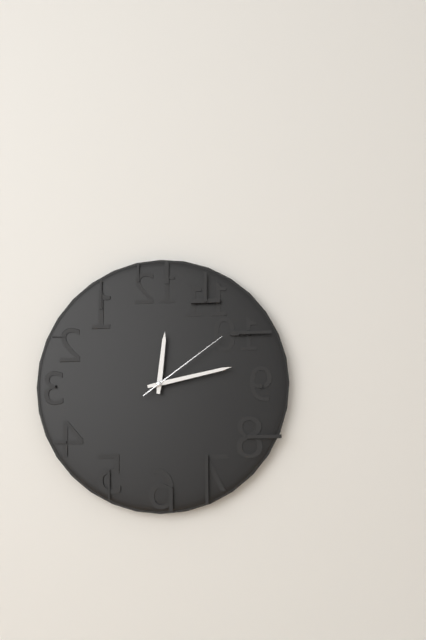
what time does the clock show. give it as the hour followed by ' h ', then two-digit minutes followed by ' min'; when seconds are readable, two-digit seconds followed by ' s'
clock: 12 h 13 min 09 s
